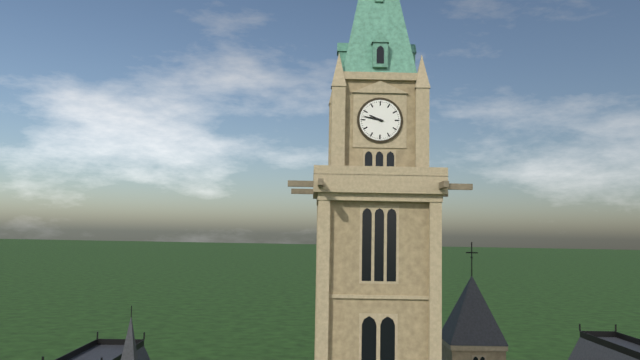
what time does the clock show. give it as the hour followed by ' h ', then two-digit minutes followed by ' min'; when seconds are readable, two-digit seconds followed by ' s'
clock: 9 h 47 min
